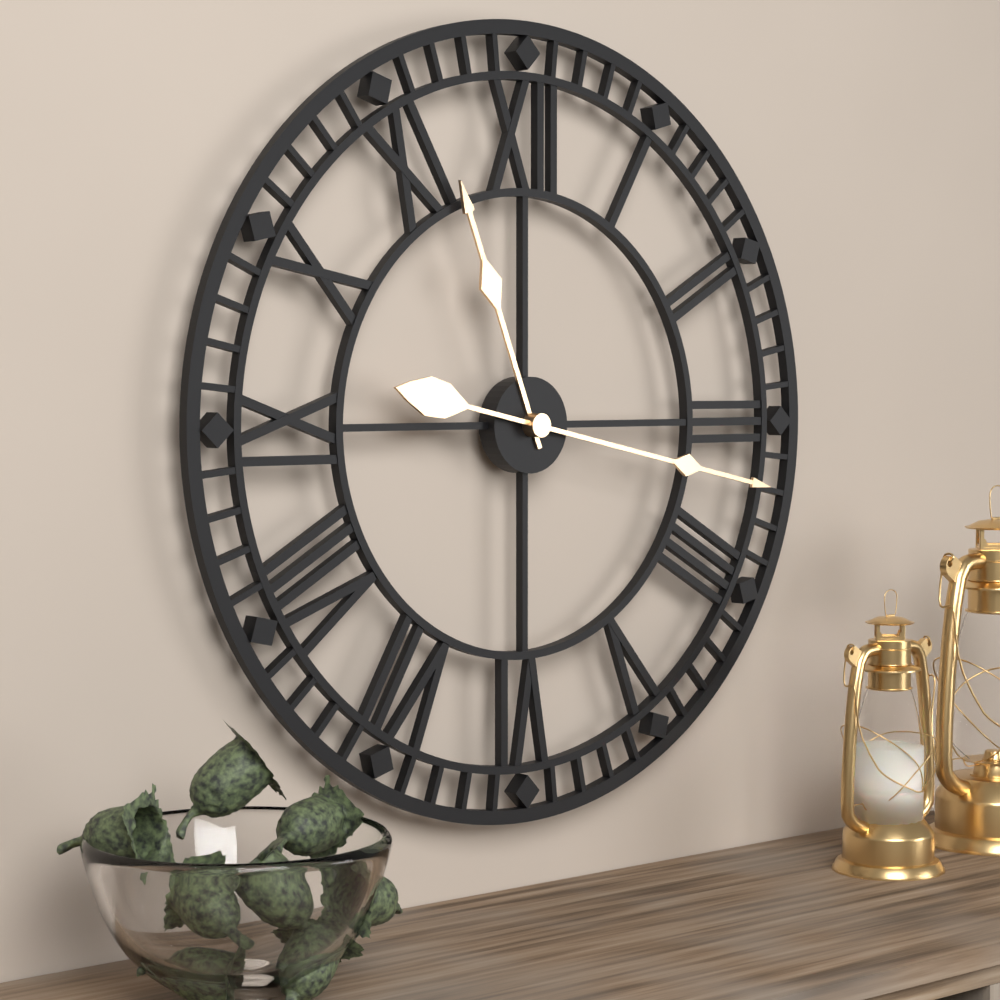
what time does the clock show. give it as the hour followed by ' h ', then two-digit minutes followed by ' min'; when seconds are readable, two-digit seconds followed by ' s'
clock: 11 h 17 min
